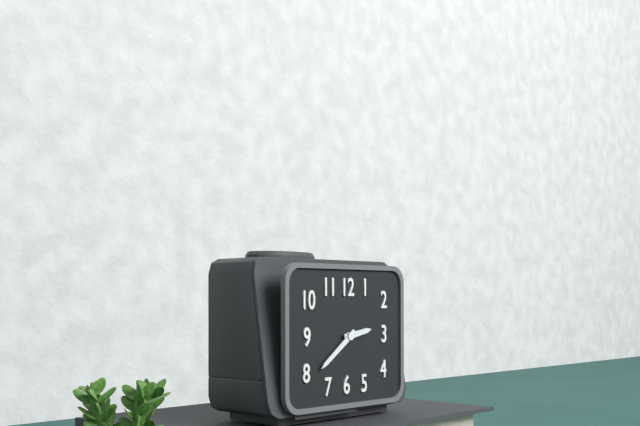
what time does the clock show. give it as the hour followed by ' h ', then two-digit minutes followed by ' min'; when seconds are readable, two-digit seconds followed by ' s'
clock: 2 h 39 min
